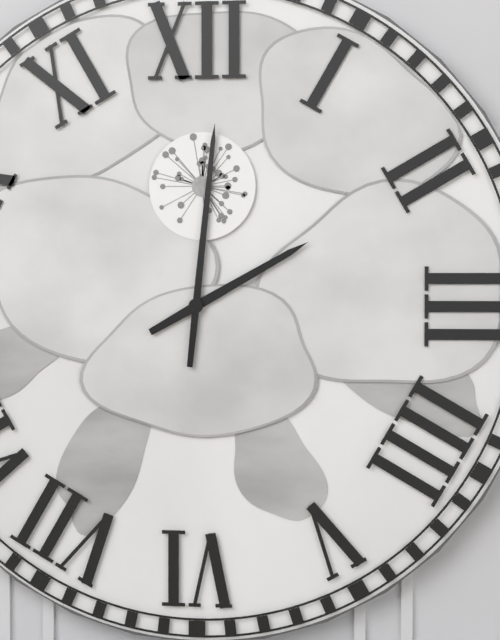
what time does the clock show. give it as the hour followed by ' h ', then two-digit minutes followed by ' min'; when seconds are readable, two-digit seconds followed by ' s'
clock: 2 h 01 min
